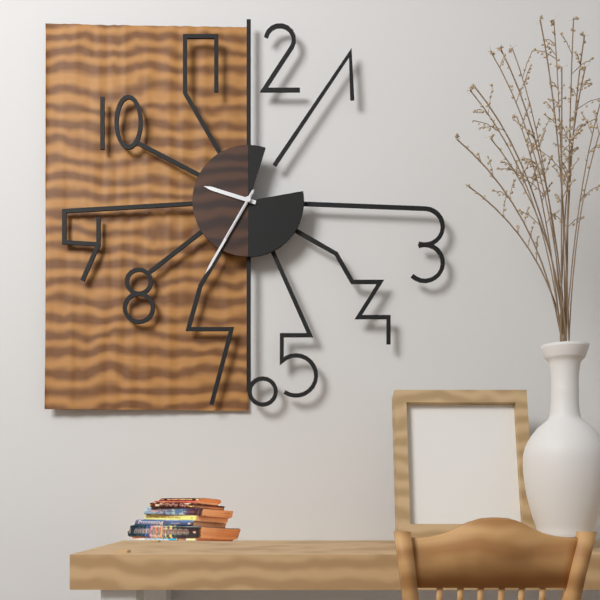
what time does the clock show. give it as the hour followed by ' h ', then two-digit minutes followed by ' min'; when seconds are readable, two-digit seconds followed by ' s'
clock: 9 h 35 min
